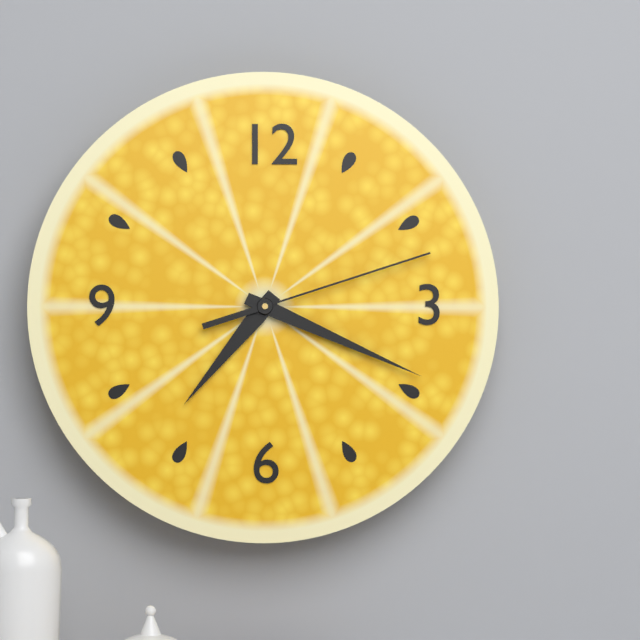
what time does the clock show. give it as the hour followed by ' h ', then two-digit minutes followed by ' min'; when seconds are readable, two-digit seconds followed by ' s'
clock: 7 h 19 min 12 s
